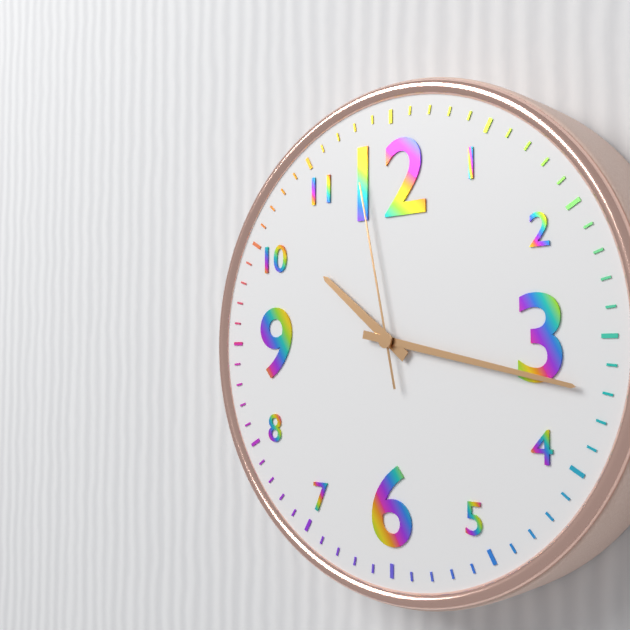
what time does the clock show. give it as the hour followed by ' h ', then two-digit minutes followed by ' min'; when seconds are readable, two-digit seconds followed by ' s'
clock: 10 h 17 min 58 s
